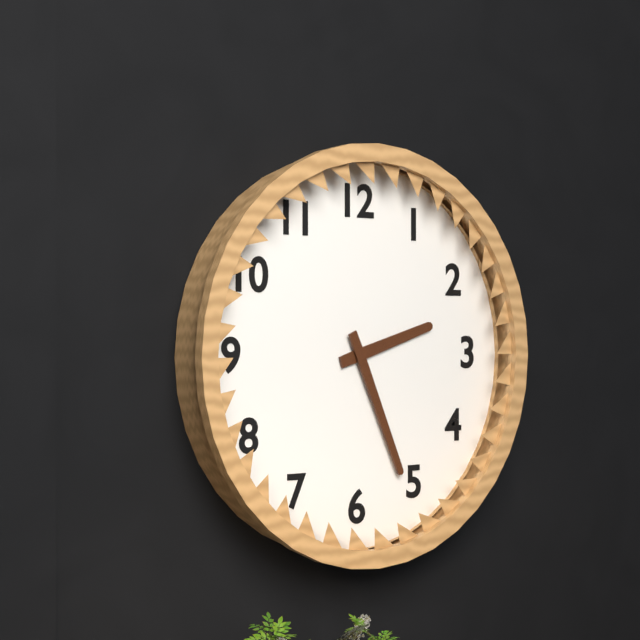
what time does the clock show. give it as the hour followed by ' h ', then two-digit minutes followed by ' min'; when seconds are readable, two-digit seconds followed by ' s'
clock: 2 h 26 min
